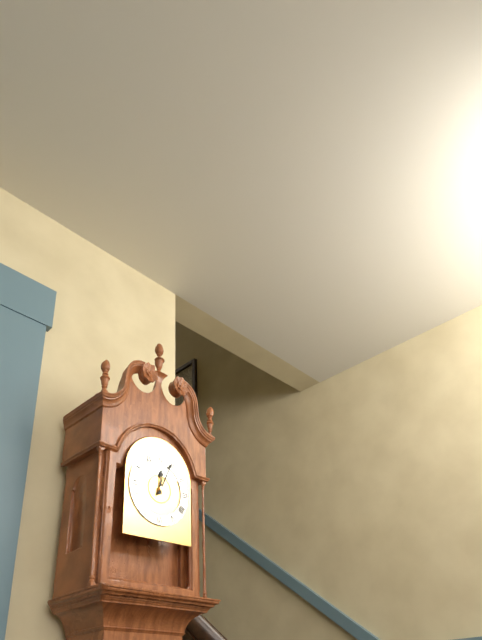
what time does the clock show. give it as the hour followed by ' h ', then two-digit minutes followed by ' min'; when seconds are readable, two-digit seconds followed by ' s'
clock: 12 h 04 min
